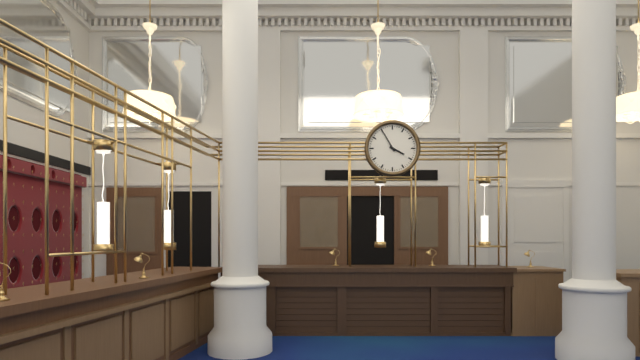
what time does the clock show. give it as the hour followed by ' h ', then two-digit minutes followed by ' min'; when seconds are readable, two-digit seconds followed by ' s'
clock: 3 h 55 min
